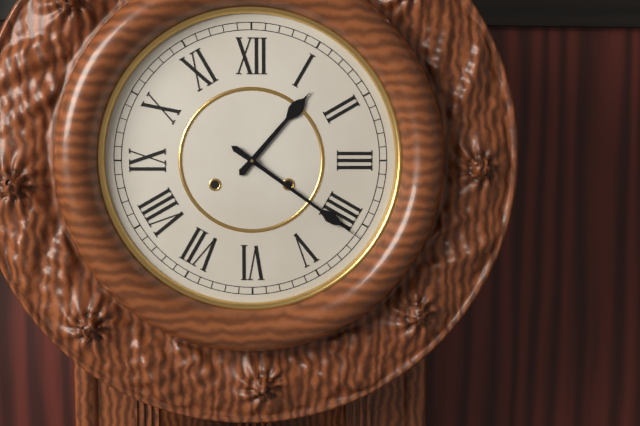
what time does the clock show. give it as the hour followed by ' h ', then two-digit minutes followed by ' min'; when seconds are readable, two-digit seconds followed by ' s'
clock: 1 h 21 min
